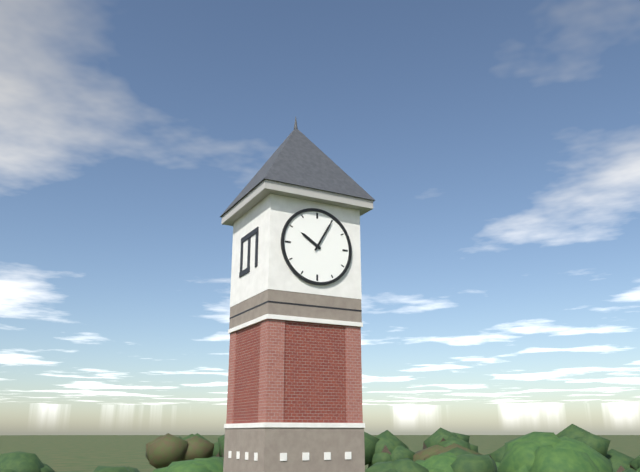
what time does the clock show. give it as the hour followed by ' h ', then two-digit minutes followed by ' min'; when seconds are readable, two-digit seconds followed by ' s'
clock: 10 h 05 min
